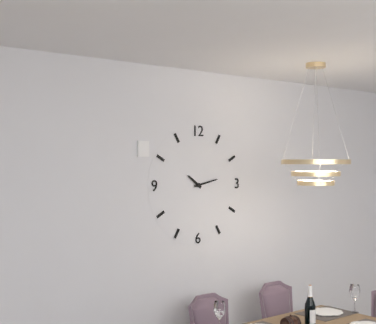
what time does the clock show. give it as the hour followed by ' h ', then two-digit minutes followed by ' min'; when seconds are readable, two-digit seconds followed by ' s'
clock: 10 h 13 min
